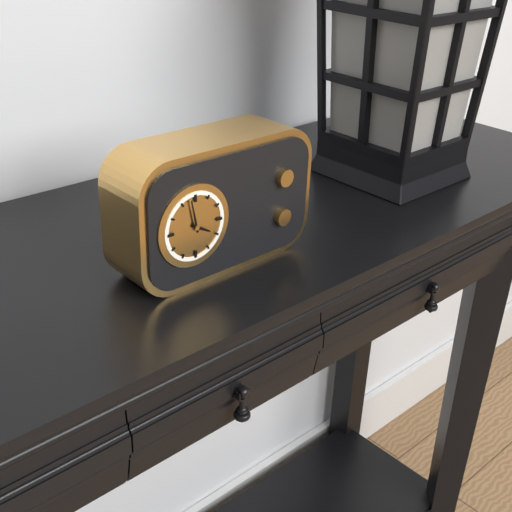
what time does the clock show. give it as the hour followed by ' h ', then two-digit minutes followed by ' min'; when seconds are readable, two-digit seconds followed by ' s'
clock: 3 h 58 min
